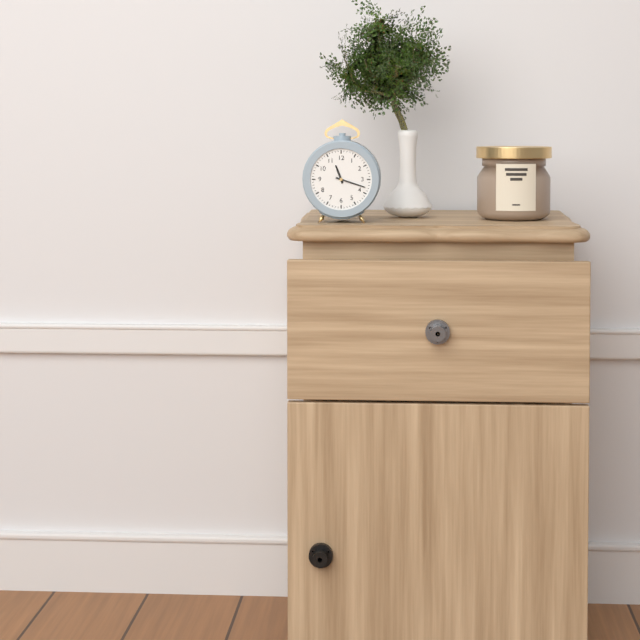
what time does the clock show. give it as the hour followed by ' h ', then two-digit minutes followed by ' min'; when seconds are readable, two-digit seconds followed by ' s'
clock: 11 h 18 min
